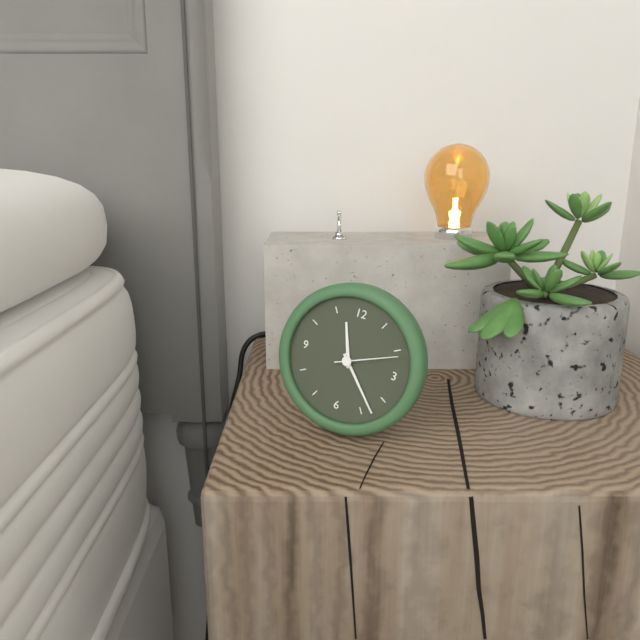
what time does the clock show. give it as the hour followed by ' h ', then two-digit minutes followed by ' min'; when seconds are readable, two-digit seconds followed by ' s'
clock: 11 h 23 min 11 s
